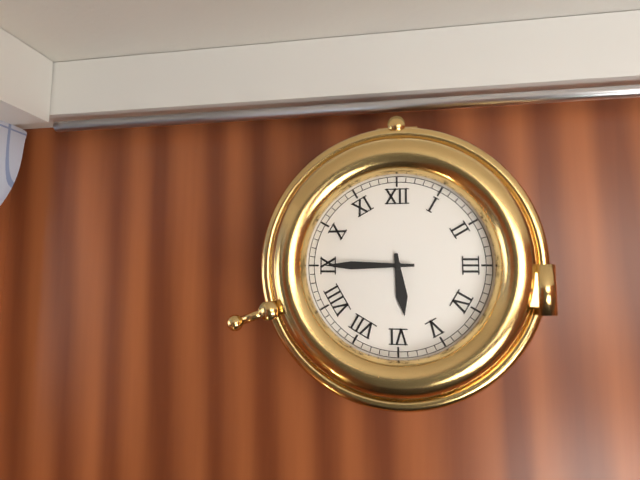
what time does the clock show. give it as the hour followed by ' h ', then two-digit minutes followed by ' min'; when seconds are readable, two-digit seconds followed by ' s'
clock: 5 h 45 min
